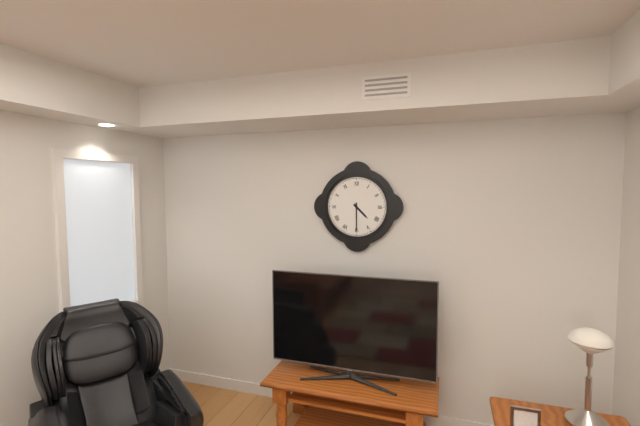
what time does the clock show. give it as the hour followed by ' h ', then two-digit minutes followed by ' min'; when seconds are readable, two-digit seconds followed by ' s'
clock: 4 h 30 min
